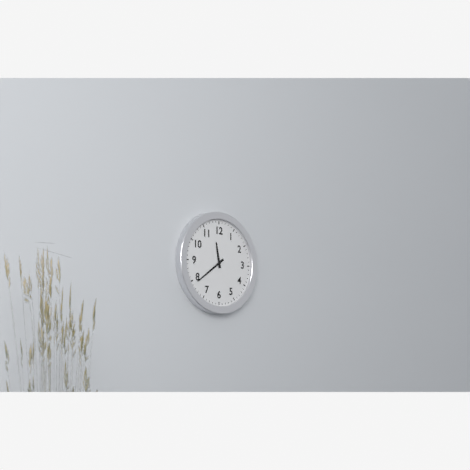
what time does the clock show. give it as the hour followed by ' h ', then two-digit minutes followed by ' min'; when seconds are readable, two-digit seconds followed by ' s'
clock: 11 h 39 min
